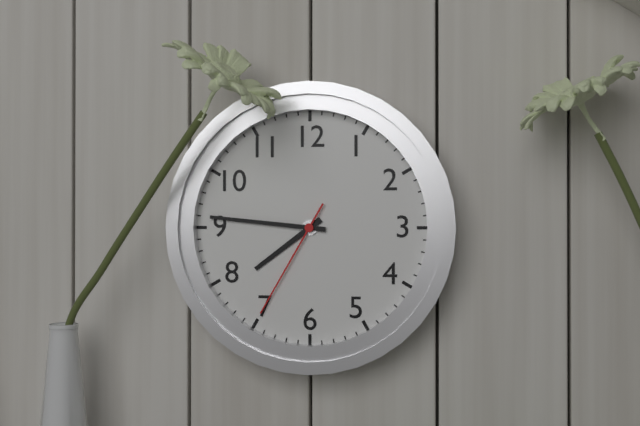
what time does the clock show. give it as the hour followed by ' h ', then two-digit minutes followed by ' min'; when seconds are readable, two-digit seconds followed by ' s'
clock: 7 h 46 min 35 s
